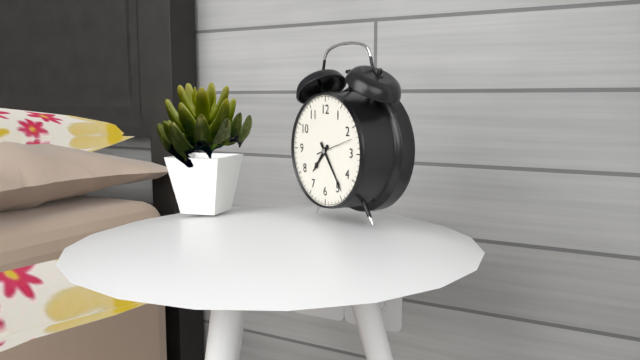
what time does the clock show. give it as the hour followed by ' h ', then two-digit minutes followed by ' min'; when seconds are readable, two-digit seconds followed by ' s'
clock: 7 h 24 min
